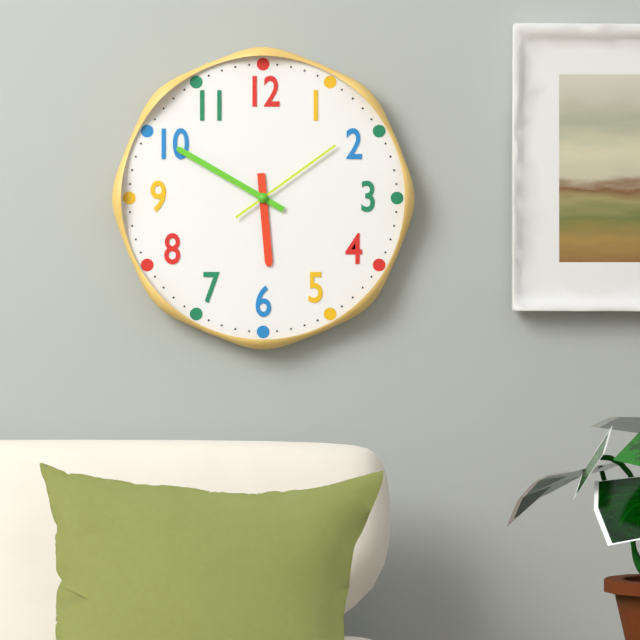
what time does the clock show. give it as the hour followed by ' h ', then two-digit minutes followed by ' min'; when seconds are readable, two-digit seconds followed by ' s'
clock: 5 h 50 min 09 s
